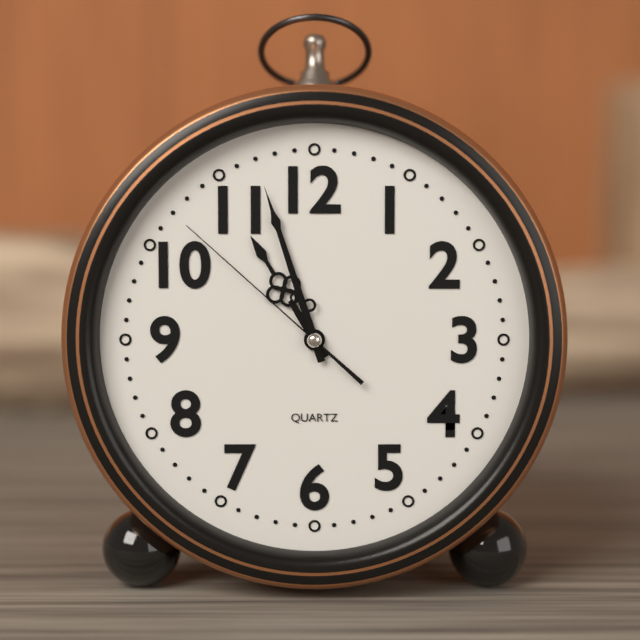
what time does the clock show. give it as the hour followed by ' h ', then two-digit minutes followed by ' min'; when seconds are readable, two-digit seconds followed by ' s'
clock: 10 h 57 min 52 s
